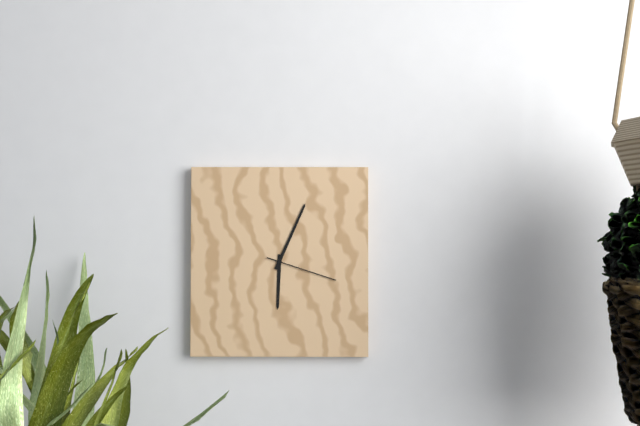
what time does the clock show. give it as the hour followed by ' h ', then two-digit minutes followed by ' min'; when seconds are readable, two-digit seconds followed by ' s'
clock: 6 h 04 min 18 s
